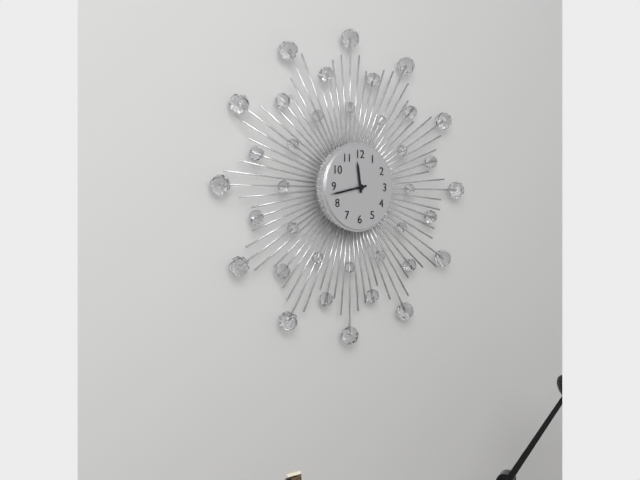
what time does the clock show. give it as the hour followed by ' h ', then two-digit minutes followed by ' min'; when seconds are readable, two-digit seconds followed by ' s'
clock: 11 h 43 min
